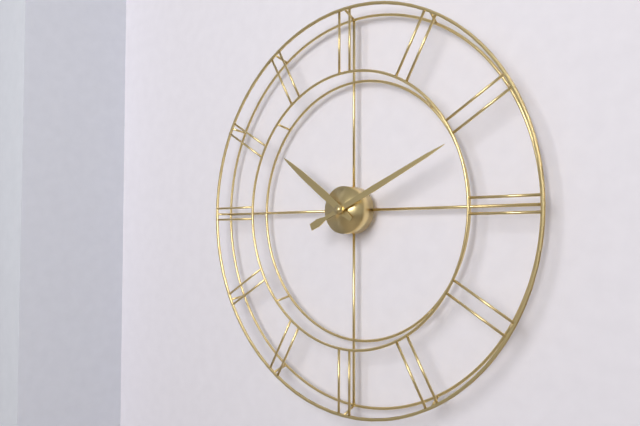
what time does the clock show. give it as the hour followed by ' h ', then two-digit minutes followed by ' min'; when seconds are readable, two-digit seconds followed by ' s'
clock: 10 h 11 min
